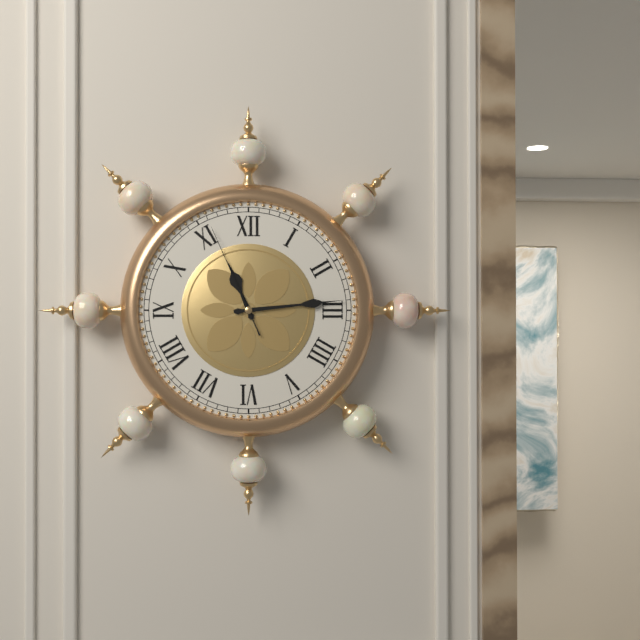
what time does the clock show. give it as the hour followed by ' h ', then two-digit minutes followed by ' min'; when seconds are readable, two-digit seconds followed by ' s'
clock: 11 h 14 min 56 s
